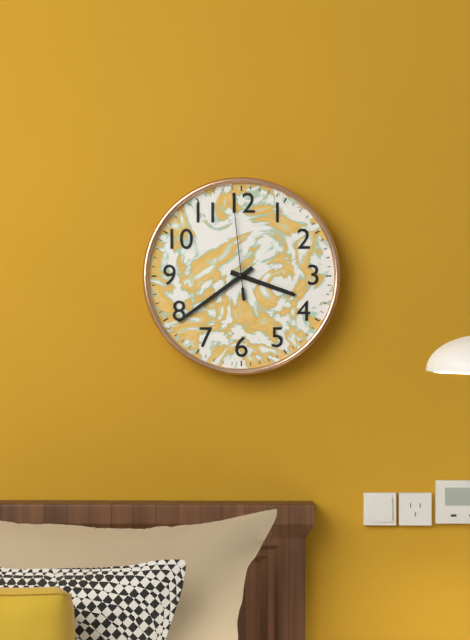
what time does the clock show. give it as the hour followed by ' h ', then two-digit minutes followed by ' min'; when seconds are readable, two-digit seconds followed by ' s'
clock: 3 h 39 min 59 s
